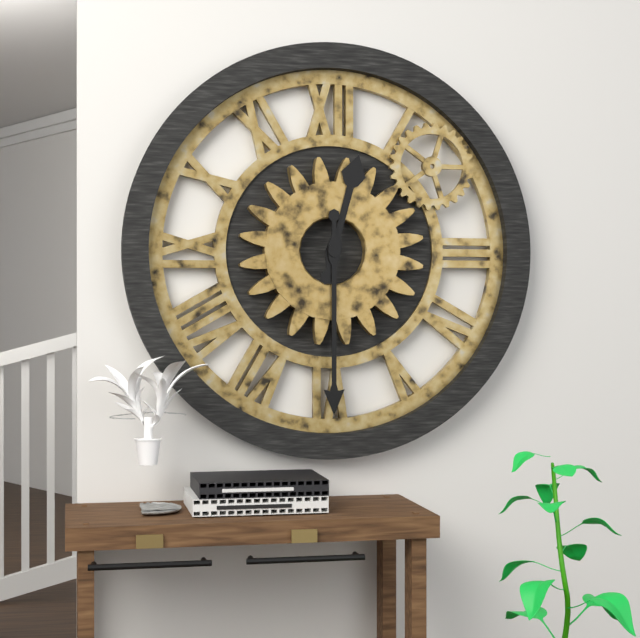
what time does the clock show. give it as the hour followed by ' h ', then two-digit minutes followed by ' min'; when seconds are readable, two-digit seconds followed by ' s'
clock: 12 h 30 min
